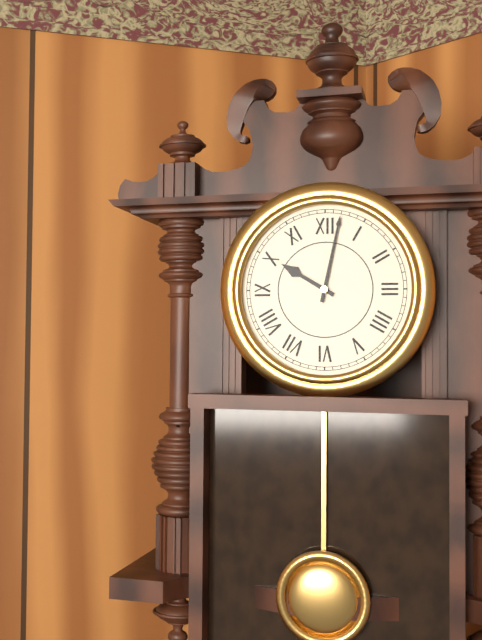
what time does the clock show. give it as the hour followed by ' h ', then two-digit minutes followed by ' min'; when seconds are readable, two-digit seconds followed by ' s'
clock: 10 h 02 min
